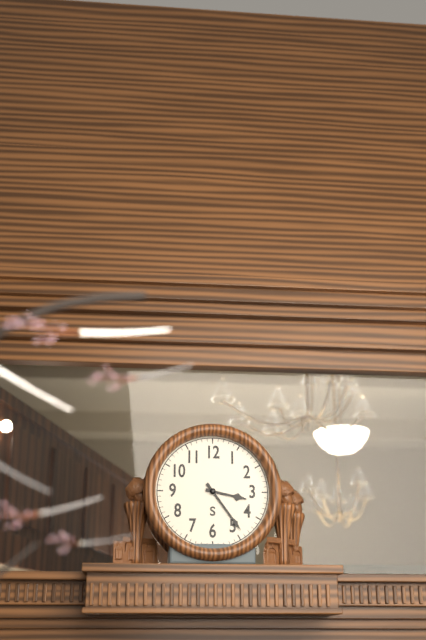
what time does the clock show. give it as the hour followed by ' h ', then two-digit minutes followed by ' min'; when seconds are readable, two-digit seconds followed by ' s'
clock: 3 h 24 min
